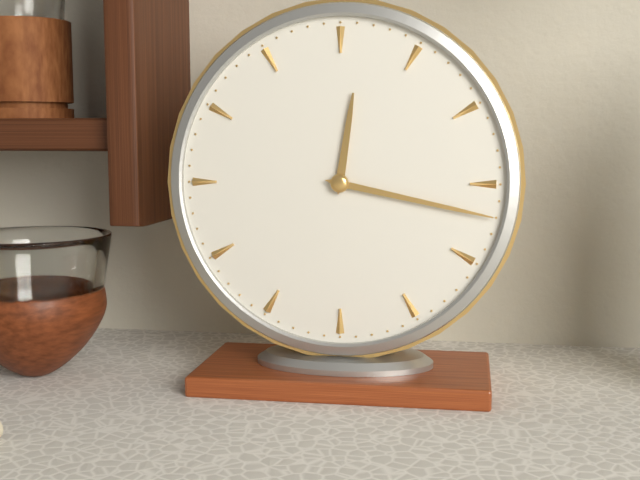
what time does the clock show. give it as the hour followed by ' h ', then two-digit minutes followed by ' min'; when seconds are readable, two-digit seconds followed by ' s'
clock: 12 h 17 min
